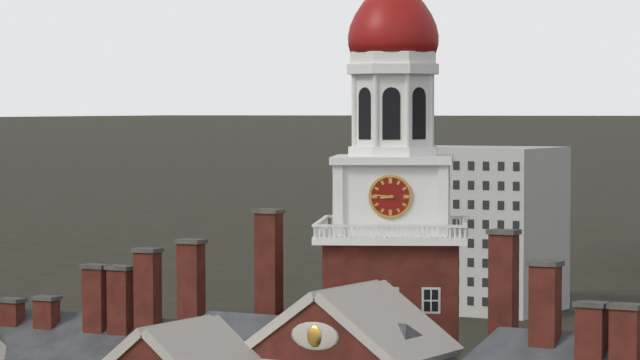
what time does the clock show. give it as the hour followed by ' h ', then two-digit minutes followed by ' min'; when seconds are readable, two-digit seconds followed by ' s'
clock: 8 h 46 min
